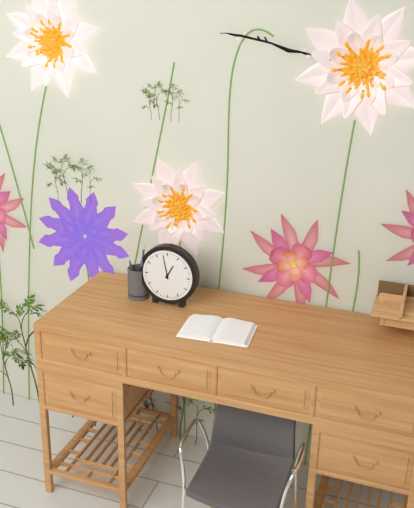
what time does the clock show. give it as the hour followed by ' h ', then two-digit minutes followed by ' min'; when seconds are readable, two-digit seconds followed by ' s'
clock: 12 h 58 min
